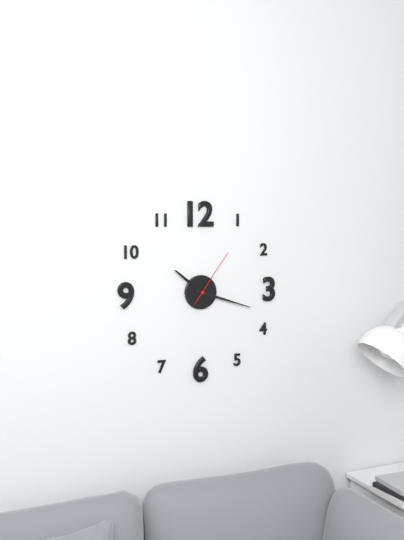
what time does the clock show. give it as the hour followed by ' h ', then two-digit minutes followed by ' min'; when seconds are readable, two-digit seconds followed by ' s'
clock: 10 h 18 min 06 s
